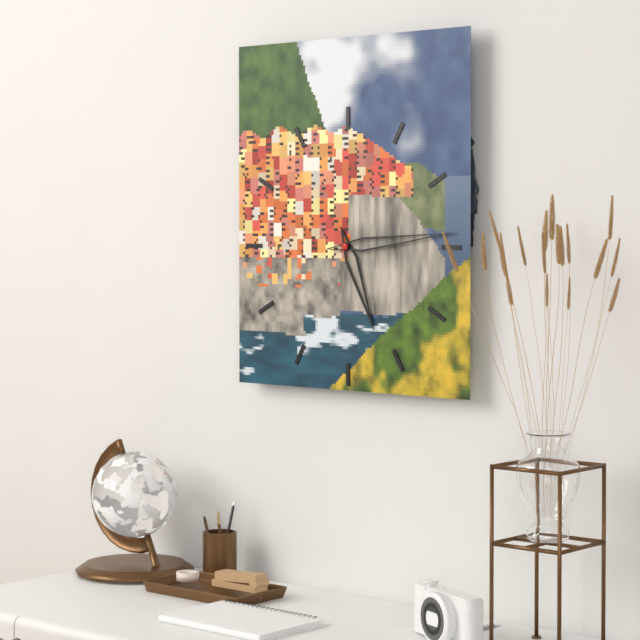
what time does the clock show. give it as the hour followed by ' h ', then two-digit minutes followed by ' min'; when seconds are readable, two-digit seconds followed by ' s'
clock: 5 h 14 min
